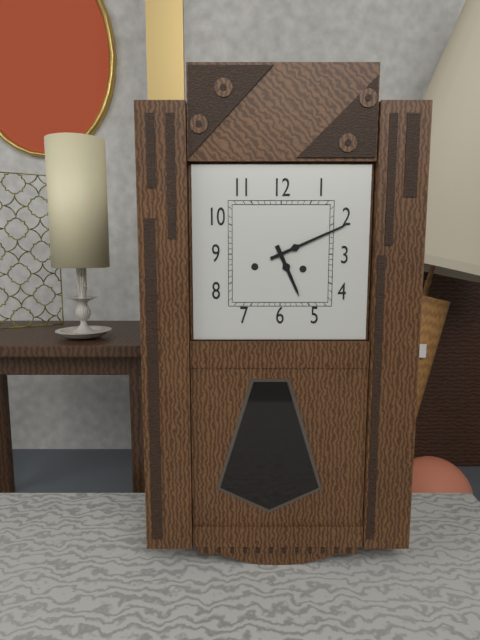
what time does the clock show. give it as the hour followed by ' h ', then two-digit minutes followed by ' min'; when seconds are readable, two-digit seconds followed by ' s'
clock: 5 h 11 min
